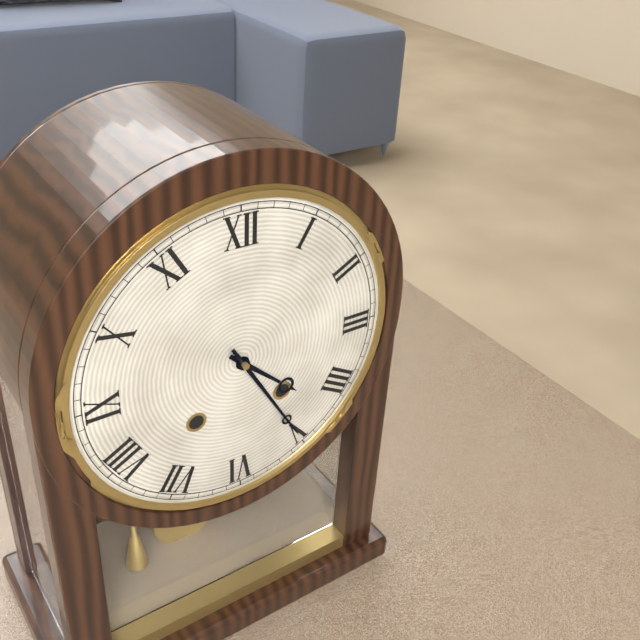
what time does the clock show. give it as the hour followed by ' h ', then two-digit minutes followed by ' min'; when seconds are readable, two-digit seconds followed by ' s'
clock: 4 h 25 min
